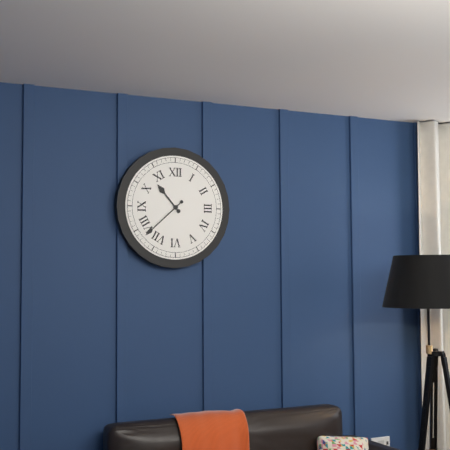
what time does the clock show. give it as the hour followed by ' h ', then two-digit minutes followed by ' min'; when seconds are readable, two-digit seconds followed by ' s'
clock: 10 h 38 min
